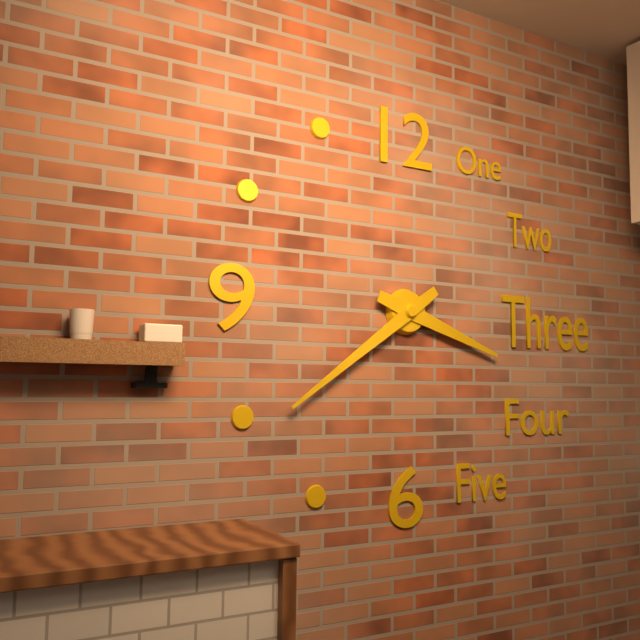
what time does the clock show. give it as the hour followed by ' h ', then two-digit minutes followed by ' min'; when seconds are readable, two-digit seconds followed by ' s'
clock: 3 h 39 min
